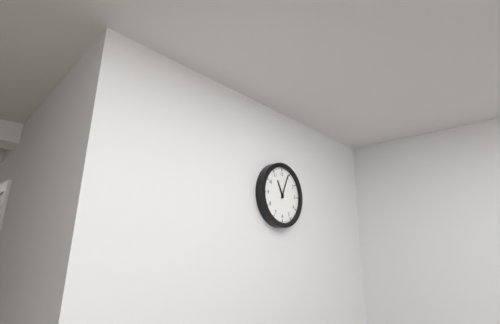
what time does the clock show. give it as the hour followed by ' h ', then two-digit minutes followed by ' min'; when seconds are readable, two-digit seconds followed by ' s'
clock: 11 h 04 min
